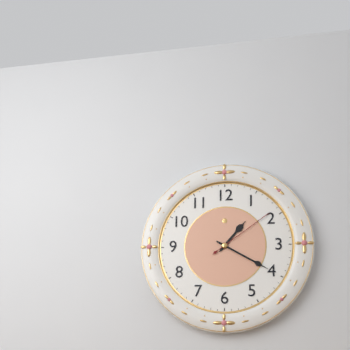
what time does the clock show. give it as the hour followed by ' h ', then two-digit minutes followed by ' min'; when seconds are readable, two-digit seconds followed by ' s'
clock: 1 h 20 min 09 s
